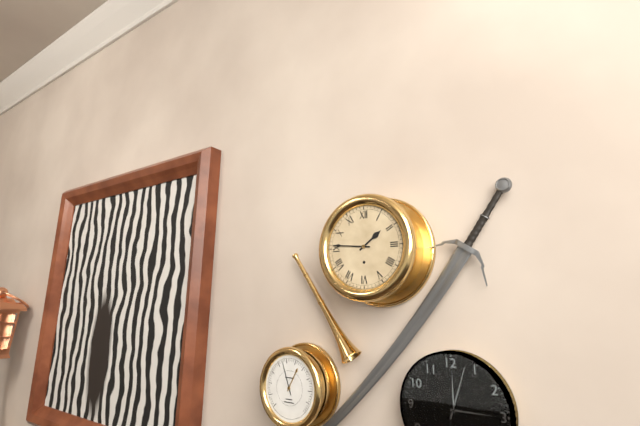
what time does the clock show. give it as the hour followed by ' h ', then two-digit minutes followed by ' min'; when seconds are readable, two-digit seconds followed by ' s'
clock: 1 h 46 min
